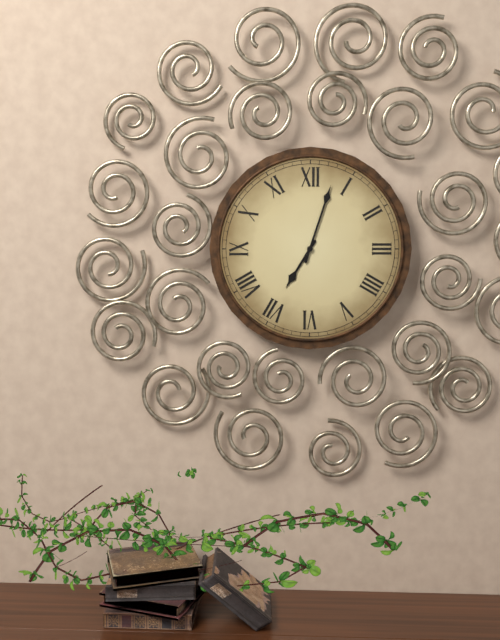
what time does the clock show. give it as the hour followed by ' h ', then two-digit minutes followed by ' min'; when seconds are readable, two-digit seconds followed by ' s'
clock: 7 h 03 min
